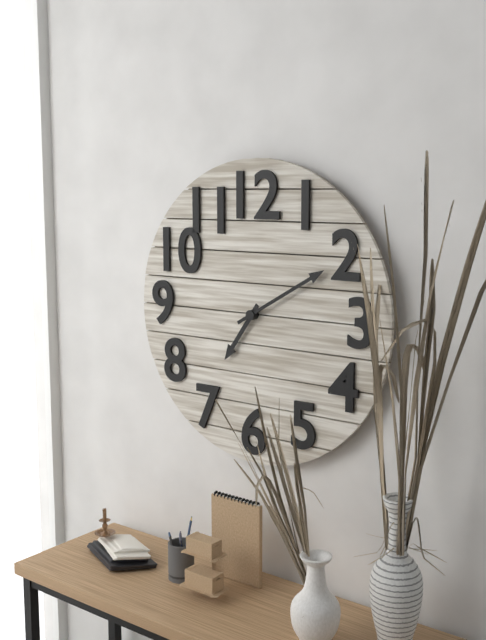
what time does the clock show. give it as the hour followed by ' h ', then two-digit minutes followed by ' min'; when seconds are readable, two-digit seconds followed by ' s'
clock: 7 h 10 min
